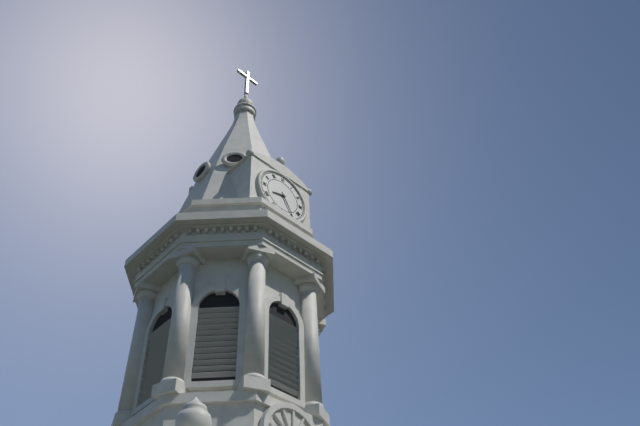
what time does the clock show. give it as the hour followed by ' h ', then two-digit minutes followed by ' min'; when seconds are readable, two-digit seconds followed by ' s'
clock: 8 h 25 min
